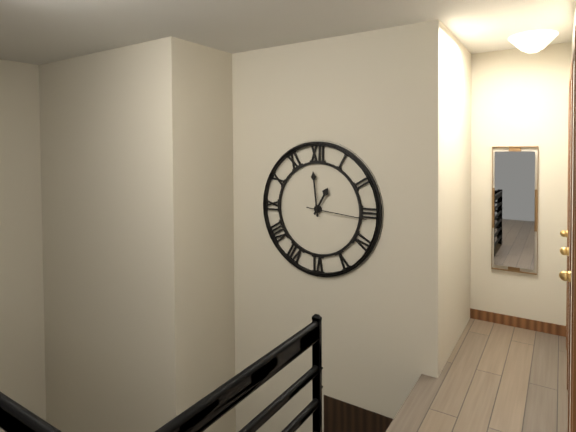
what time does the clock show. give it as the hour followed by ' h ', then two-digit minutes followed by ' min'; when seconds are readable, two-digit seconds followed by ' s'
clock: 12 h 59 min 16 s
